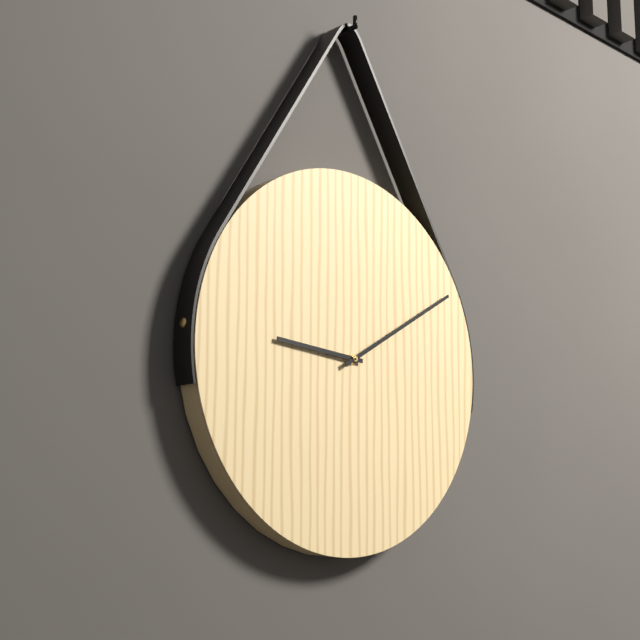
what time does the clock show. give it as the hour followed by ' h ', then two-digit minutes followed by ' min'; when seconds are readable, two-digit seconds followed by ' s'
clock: 9 h 10 min
